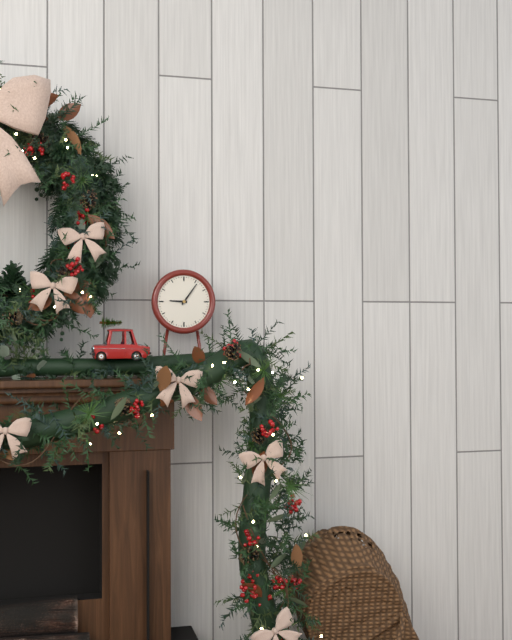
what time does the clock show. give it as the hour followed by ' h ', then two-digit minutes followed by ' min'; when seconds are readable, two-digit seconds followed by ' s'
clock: 9 h 06 min
